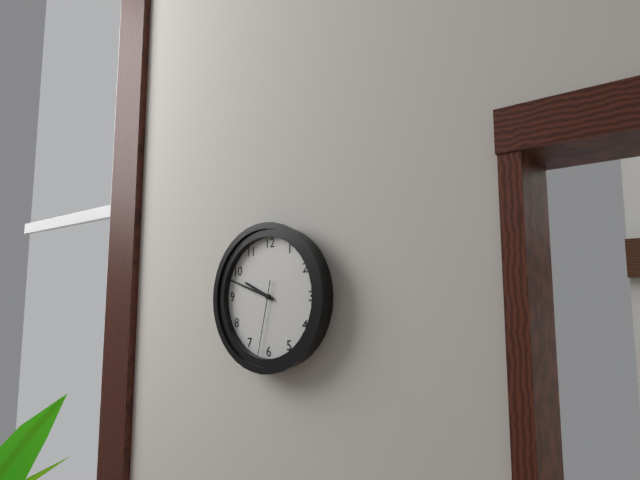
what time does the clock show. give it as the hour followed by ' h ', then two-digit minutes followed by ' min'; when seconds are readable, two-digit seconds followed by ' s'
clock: 9 h 48 min 32 s
